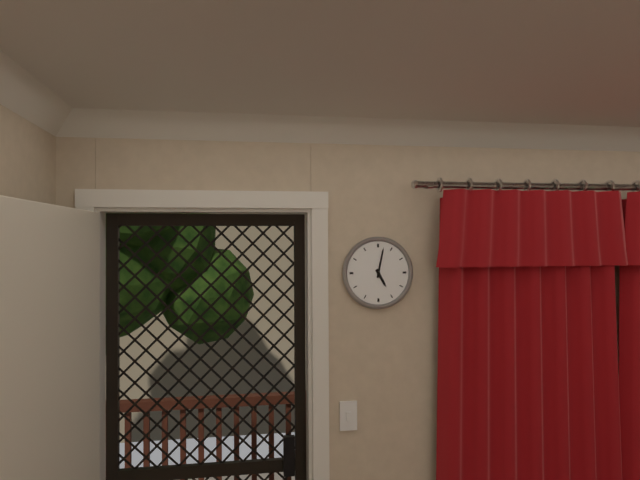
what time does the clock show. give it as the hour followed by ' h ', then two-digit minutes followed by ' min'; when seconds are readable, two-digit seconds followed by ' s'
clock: 5 h 02 min
